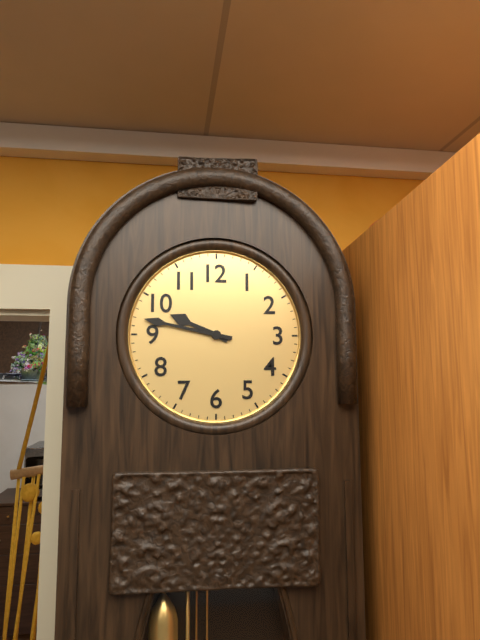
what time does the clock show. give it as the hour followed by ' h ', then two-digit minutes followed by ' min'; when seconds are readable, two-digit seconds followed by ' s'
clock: 9 h 47 min
